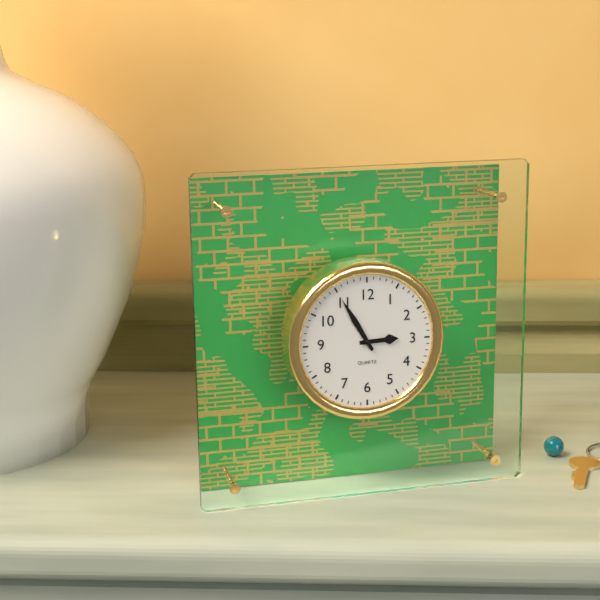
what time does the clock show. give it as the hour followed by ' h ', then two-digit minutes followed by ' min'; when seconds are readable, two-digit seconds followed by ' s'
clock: 2 h 55 min
